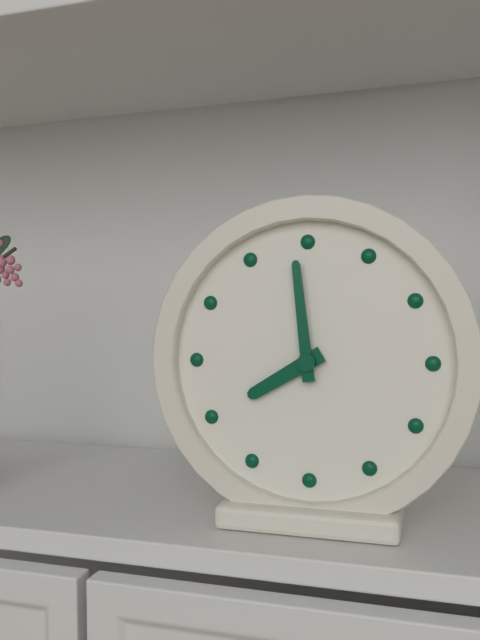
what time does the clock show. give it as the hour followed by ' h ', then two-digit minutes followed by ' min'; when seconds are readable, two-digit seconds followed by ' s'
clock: 7 h 59 min
